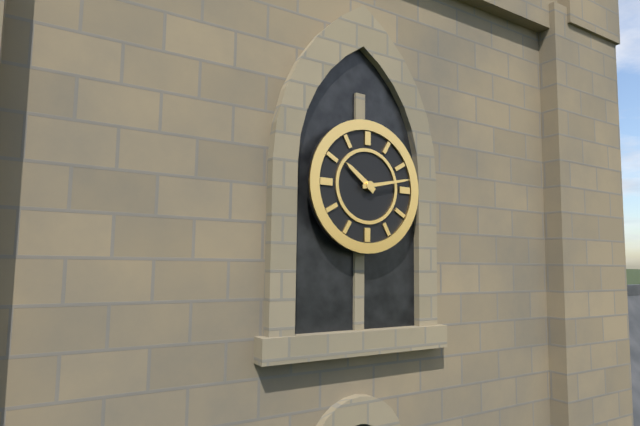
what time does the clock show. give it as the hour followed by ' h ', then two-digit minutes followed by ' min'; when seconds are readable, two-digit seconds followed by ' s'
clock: 10 h 13 min
